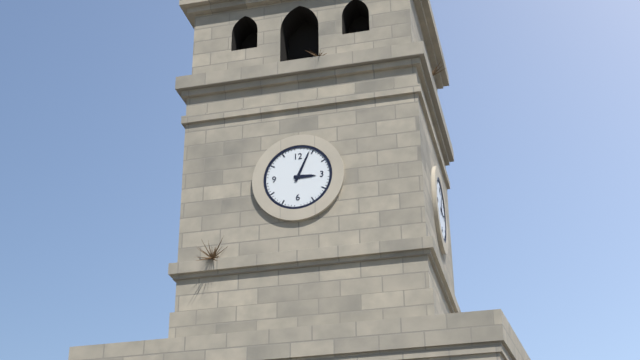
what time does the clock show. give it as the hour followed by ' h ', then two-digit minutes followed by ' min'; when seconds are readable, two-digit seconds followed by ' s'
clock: 3 h 04 min
